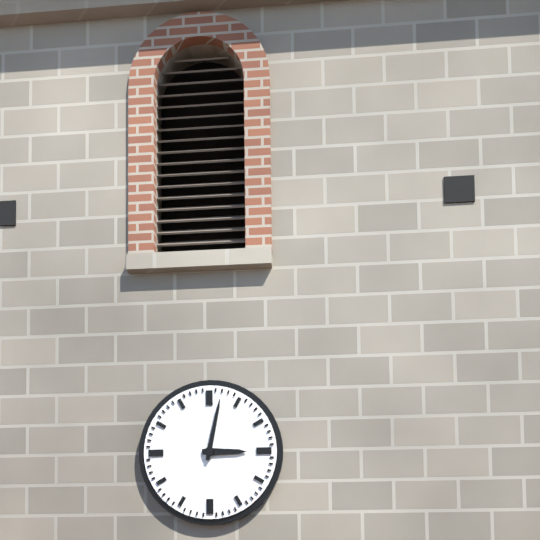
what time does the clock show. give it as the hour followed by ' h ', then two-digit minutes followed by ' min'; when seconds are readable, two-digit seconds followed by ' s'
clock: 3 h 02 min
